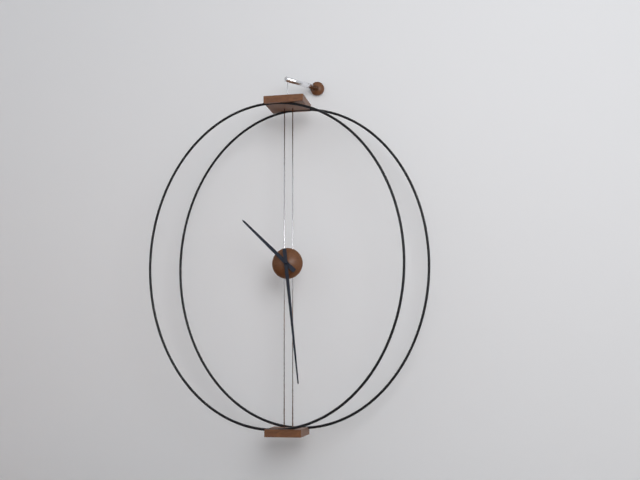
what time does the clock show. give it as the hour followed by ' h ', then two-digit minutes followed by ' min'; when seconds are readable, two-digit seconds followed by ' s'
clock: 10 h 29 min
